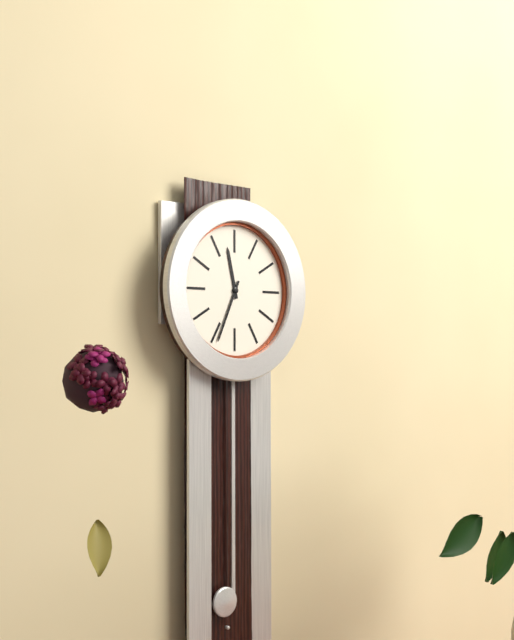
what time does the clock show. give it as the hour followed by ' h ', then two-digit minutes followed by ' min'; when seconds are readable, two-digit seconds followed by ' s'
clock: 11 h 34 min
